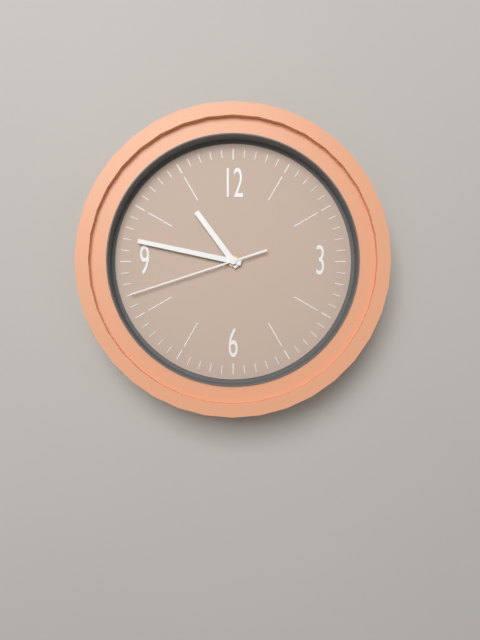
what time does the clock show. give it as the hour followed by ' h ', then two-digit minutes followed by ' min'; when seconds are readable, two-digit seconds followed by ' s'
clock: 10 h 47 min 42 s
